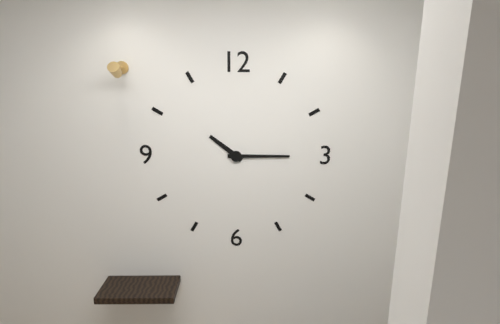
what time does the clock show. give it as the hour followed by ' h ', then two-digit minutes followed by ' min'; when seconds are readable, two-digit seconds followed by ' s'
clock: 10 h 15 min
